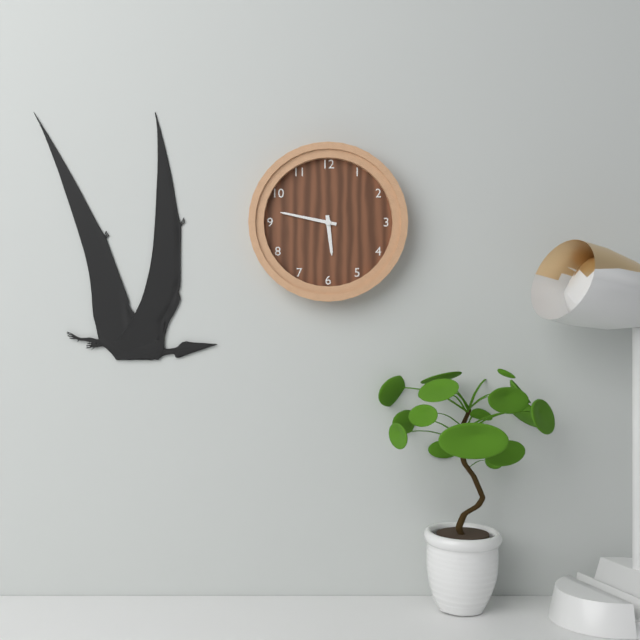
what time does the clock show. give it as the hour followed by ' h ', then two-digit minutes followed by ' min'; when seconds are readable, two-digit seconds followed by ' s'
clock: 5 h 47 min
